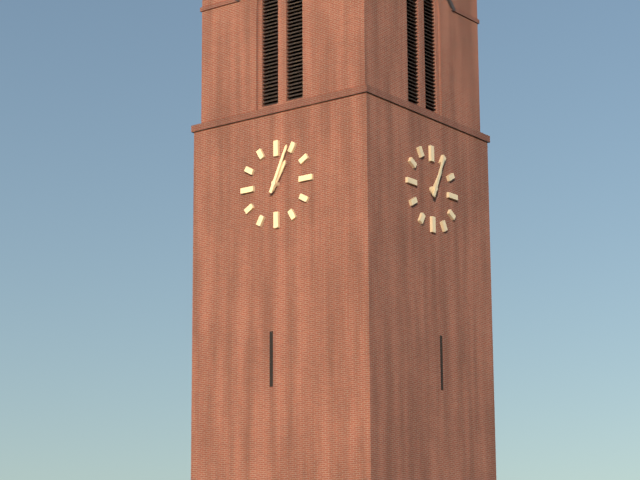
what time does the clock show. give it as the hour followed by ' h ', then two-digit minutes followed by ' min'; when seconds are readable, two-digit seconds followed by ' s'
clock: 1 h 04 min
